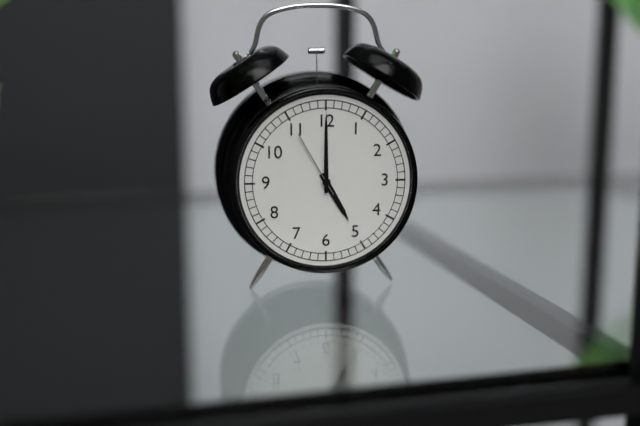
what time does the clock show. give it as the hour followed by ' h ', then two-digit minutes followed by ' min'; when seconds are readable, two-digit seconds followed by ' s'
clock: 5 h 00 min 55 s
